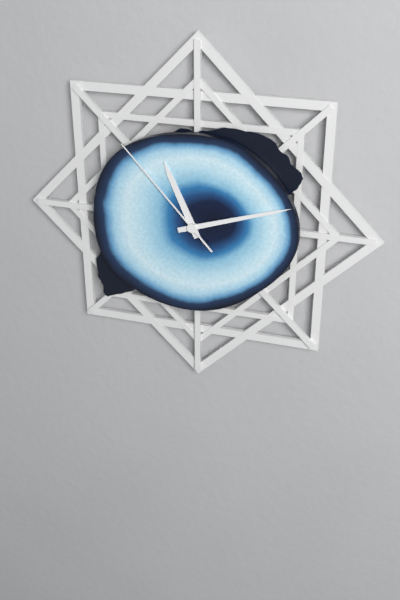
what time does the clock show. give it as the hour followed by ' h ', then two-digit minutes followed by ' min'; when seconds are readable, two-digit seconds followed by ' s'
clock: 11 h 12 min 53 s
